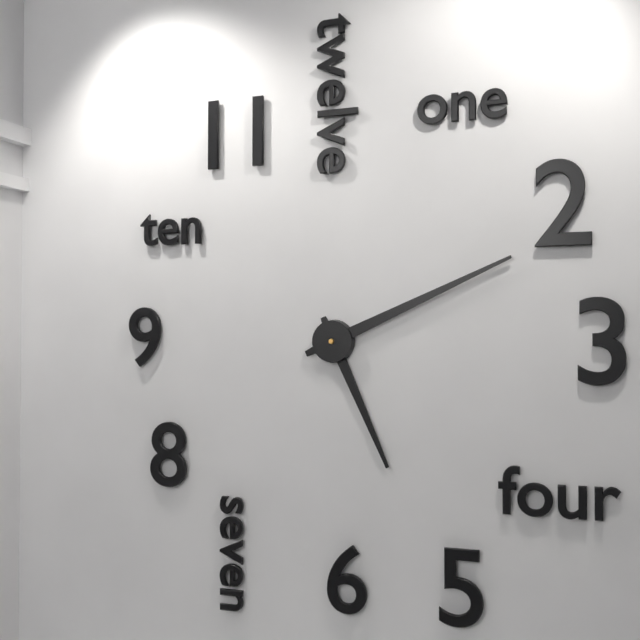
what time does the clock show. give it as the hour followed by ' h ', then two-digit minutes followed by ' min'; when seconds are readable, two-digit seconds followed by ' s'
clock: 5 h 11 min
